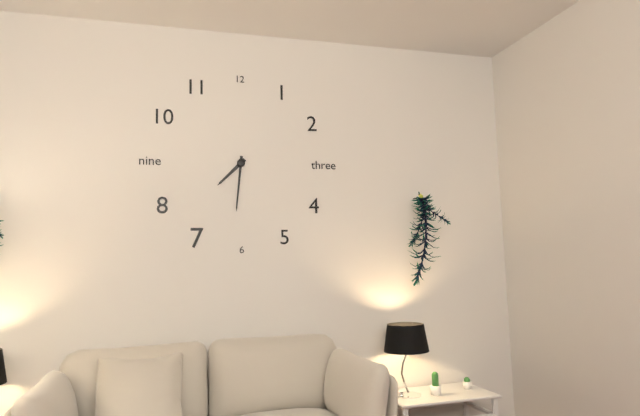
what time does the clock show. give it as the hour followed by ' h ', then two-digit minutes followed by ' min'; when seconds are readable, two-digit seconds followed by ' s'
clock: 7 h 31 min
